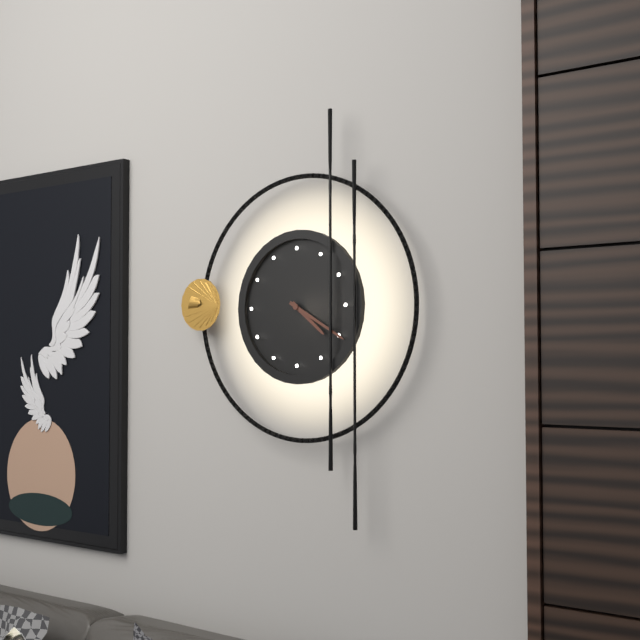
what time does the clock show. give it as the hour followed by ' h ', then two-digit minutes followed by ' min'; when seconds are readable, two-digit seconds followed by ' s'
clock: 4 h 20 min
